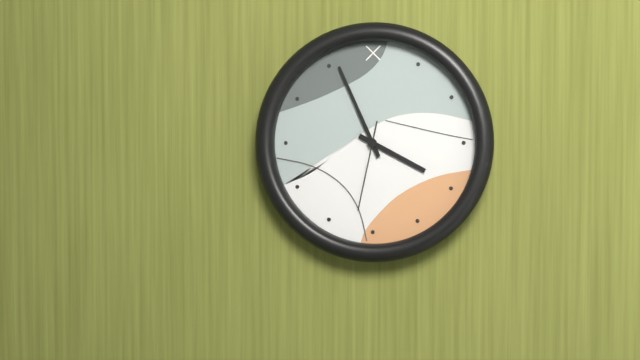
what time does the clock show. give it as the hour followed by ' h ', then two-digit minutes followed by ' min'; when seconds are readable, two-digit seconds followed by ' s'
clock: 3 h 56 min 32 s
